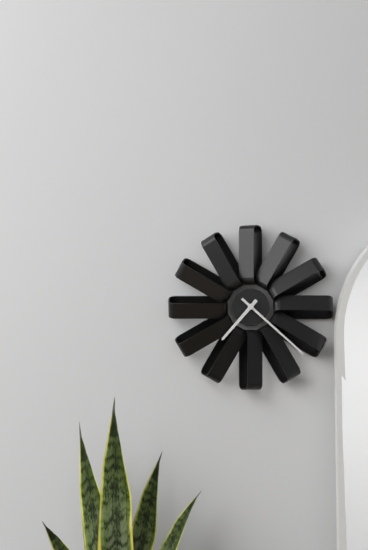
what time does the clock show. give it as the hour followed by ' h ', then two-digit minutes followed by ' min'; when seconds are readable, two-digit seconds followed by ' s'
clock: 7 h 22 min
